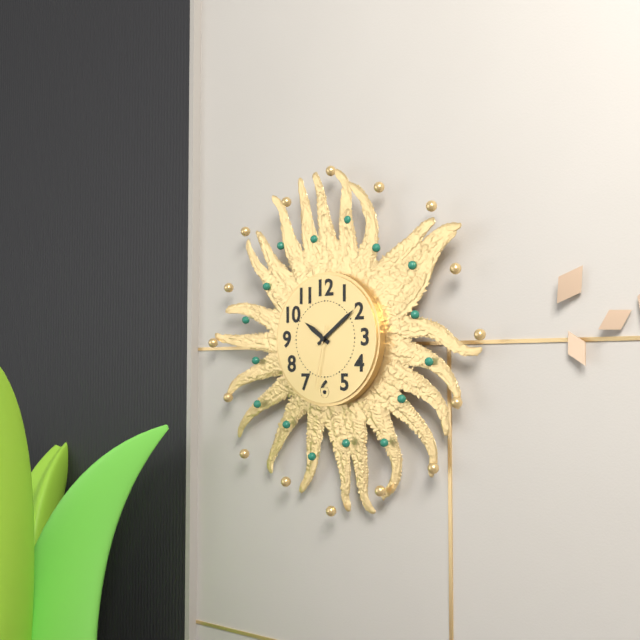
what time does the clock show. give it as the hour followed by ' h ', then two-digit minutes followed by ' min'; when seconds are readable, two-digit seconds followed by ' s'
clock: 10 h 09 min 32 s
